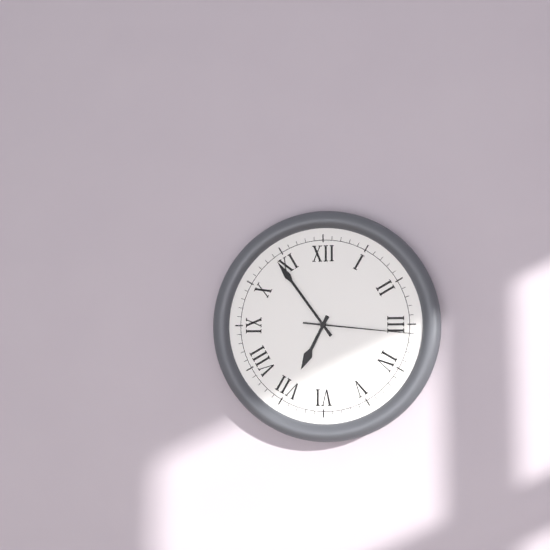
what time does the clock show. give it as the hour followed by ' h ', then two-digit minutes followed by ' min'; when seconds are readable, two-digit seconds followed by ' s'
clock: 6 h 54 min 16 s
